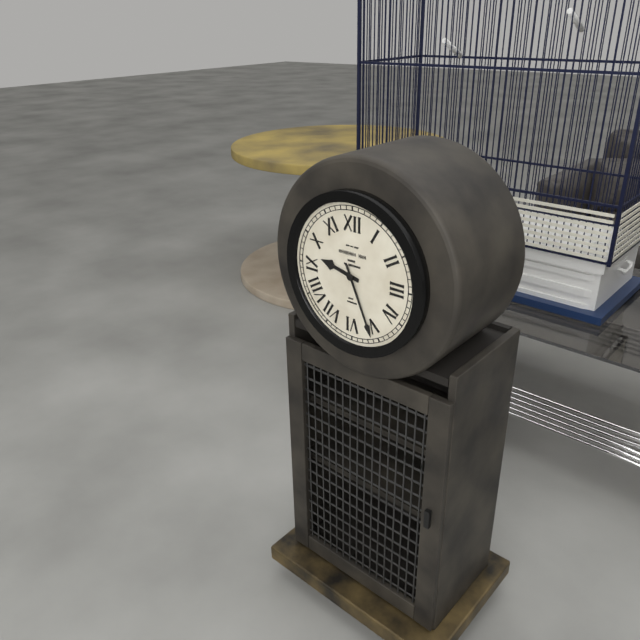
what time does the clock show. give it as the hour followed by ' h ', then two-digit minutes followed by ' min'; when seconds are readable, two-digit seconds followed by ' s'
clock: 9 h 26 min
